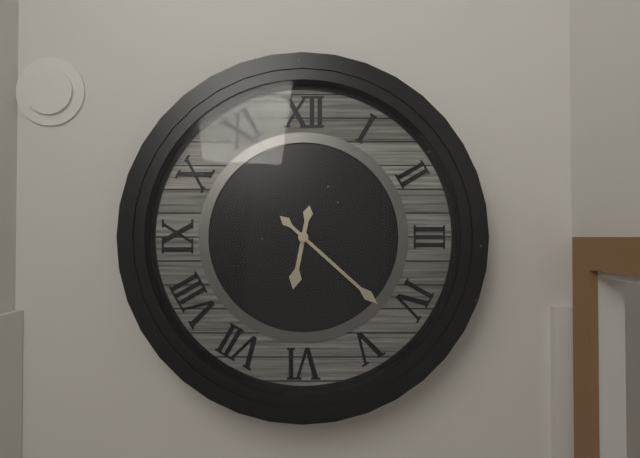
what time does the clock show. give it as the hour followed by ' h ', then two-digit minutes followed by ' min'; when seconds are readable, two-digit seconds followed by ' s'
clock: 6 h 22 min
